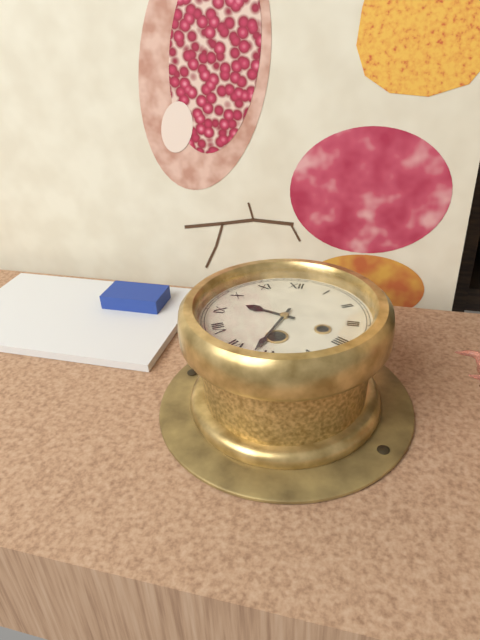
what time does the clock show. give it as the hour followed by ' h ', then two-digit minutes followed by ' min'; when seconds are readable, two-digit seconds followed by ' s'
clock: 9 h 32 min
